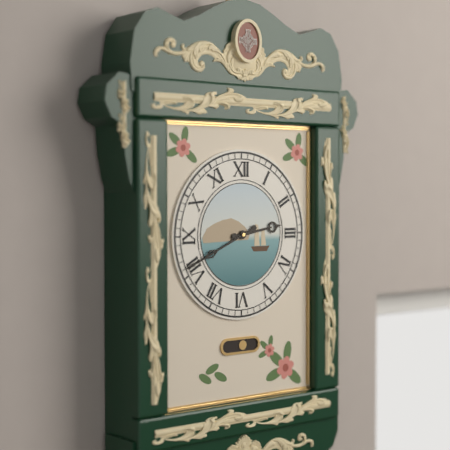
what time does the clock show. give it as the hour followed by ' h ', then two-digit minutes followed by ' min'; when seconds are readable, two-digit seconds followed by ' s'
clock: 2 h 41 min
